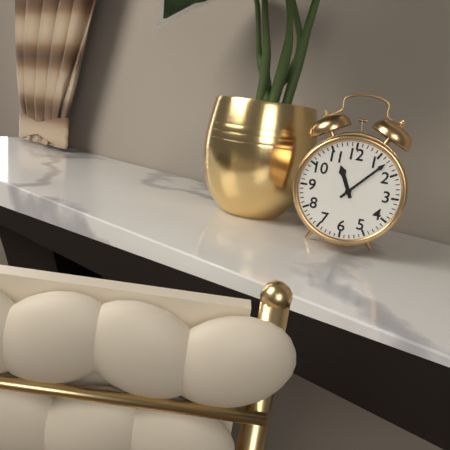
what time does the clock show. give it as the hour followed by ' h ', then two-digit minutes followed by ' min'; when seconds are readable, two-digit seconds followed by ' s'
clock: 11 h 07 min
